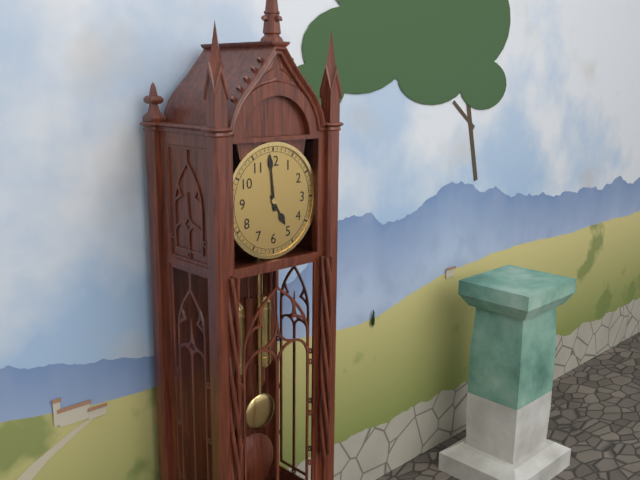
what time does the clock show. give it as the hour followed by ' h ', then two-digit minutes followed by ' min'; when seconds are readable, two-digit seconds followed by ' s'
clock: 4 h 59 min
